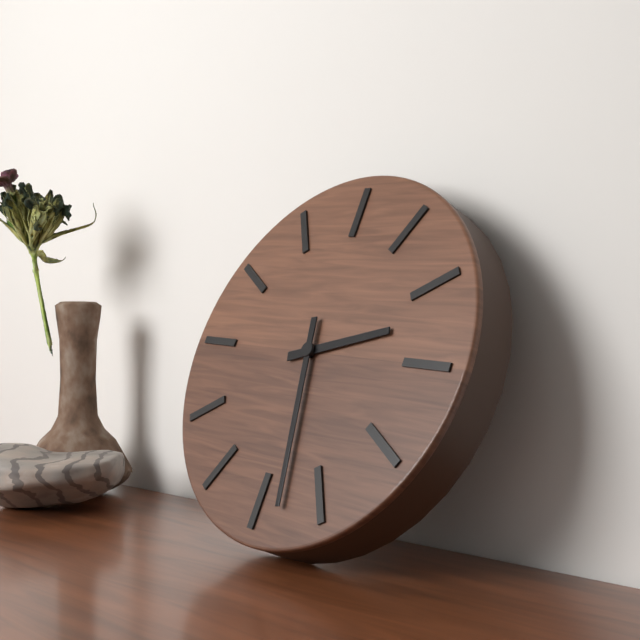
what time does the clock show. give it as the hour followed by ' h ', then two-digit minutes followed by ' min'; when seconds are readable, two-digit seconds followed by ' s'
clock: 2 h 28 min
